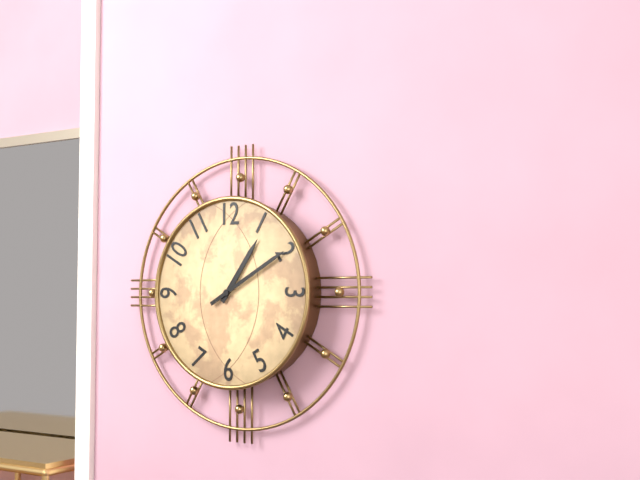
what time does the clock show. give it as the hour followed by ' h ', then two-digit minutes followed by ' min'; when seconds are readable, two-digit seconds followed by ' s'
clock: 1 h 10 min
